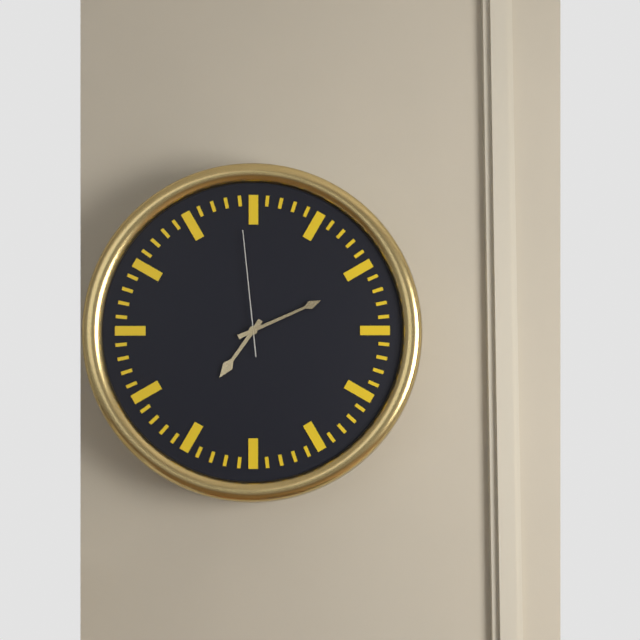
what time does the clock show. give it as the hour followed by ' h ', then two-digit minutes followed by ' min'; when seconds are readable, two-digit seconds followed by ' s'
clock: 7 h 11 min 59 s
